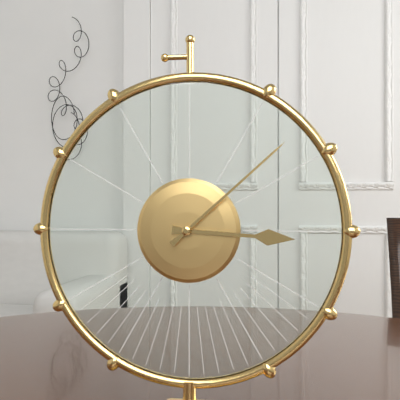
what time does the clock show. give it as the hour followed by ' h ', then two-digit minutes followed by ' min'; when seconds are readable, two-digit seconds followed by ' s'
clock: 3 h 08 min
